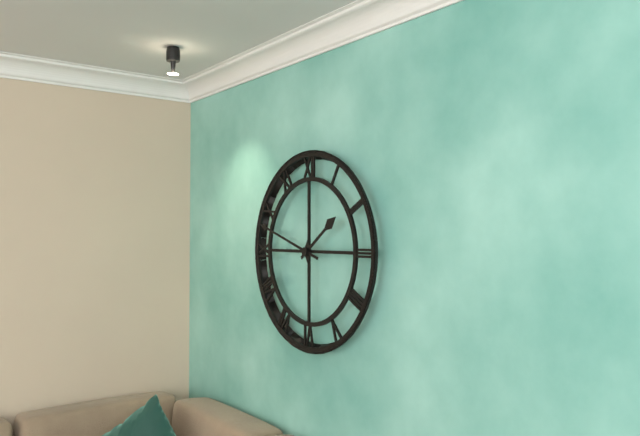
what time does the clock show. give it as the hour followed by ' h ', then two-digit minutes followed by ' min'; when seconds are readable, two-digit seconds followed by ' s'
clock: 1 h 48 min
